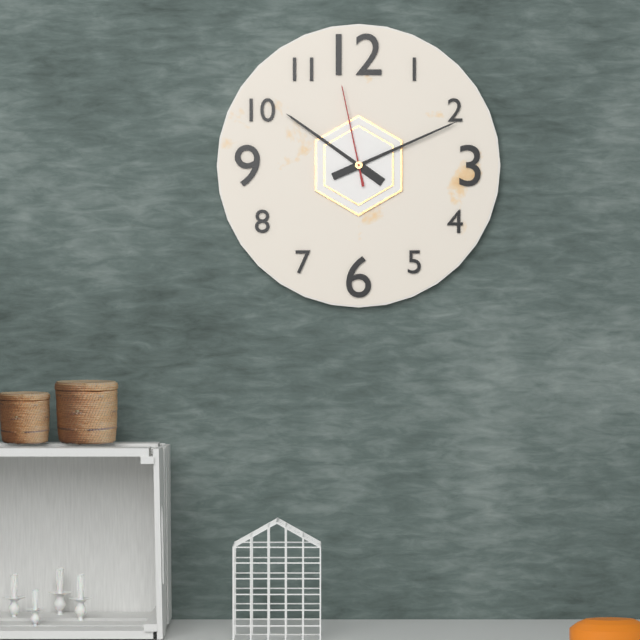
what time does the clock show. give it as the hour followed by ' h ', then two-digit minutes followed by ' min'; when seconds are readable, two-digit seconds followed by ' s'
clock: 10 h 11 min 58 s
